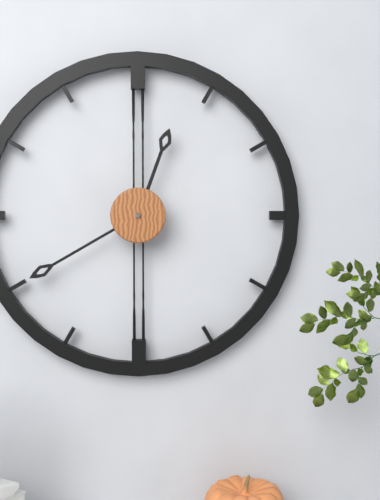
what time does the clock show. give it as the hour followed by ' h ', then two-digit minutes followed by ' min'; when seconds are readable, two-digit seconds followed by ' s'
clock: 12 h 40 min
